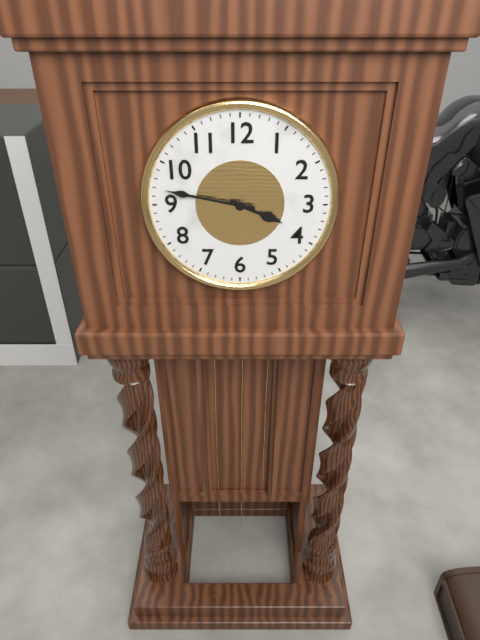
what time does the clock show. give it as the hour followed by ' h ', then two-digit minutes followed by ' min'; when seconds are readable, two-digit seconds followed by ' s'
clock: 3 h 47 min
